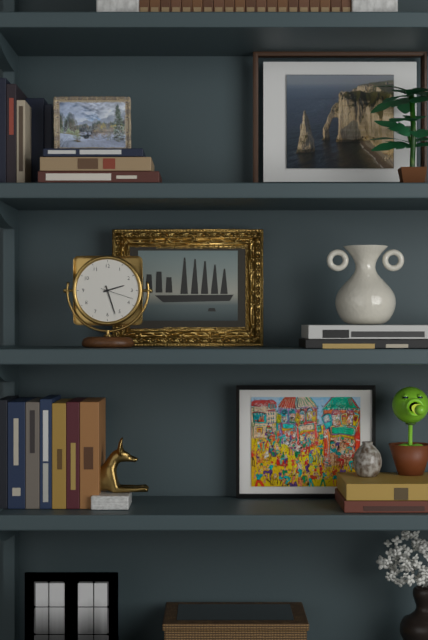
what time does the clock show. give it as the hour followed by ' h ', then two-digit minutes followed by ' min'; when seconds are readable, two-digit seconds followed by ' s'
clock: 2 h 27 min
